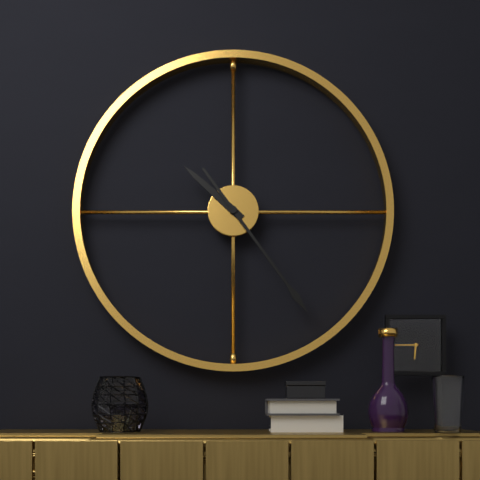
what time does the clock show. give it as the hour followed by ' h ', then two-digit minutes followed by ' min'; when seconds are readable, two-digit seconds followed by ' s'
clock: 10 h 24 min
